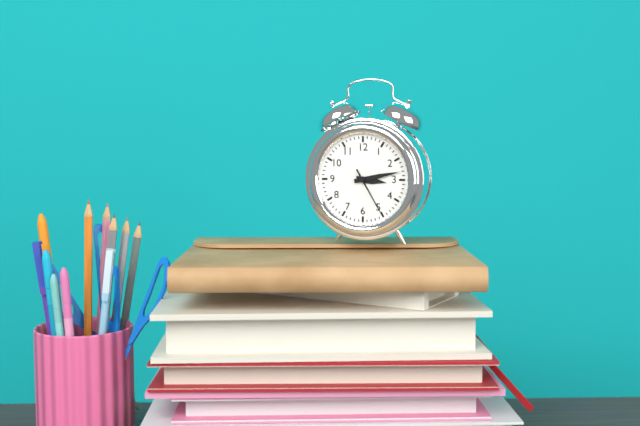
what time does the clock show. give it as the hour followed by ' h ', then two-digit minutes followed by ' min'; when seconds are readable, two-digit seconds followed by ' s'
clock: 3 h 13 min 25 s
